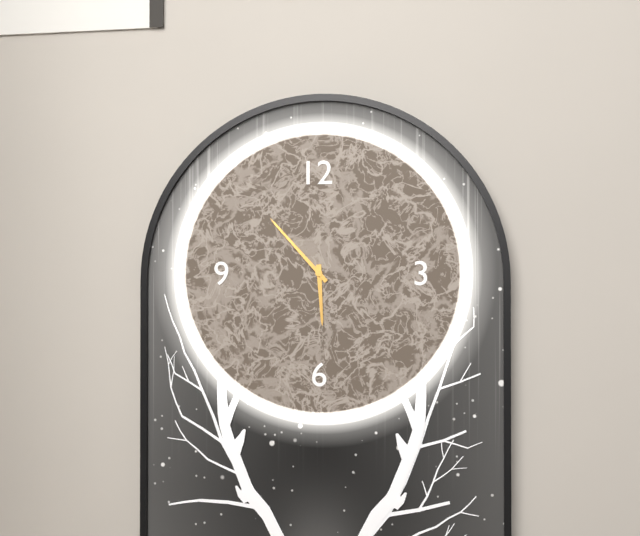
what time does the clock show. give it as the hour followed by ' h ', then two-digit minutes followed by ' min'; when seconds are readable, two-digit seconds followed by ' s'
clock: 5 h 53 min
